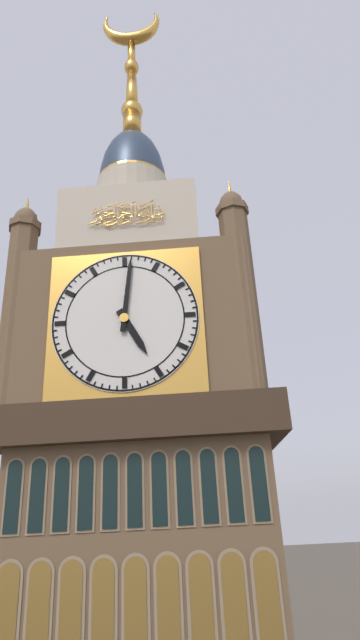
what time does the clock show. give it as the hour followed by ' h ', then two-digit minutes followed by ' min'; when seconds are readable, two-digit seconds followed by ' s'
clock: 5 h 01 min
